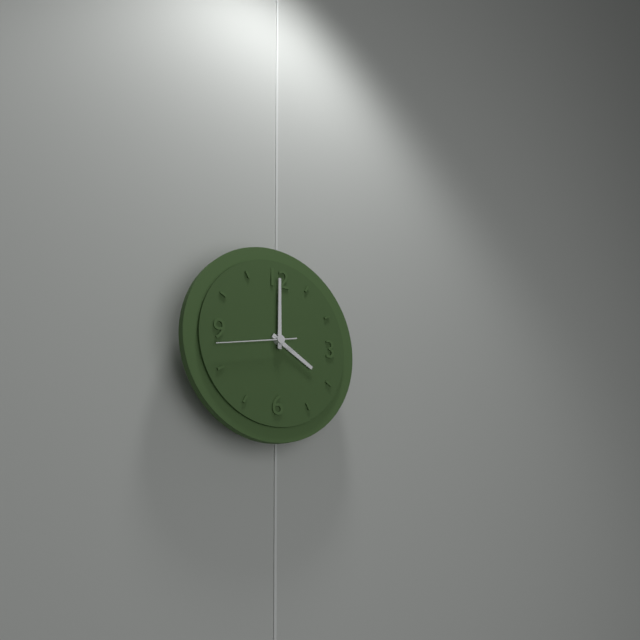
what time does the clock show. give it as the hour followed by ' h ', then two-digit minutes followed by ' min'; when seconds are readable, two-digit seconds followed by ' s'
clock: 4 h 00 min 43 s
